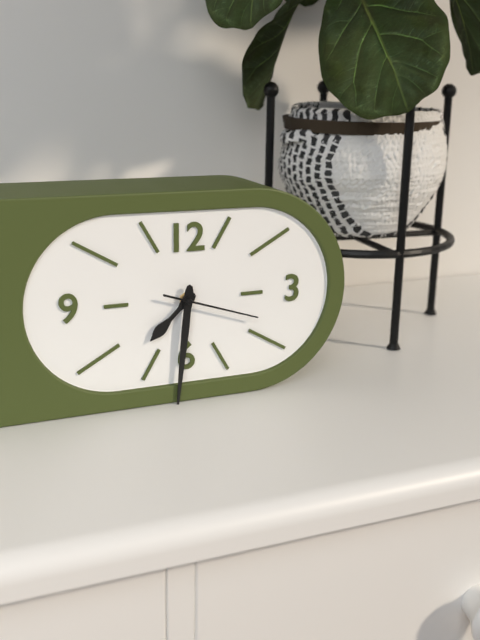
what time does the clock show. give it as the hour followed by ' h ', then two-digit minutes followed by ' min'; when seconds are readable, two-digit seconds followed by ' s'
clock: 7 h 31 min 18 s
